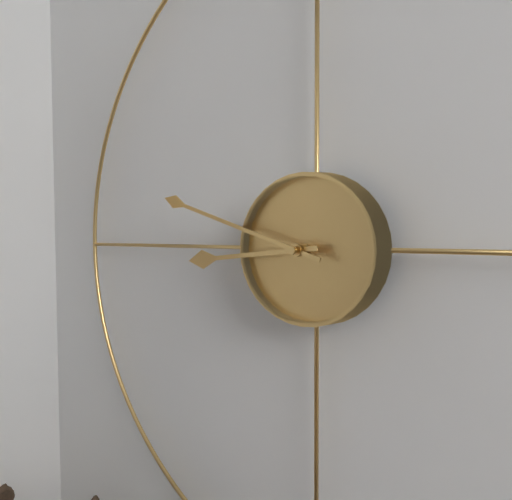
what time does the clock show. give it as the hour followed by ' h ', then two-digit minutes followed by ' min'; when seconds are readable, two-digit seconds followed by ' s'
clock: 8 h 48 min
